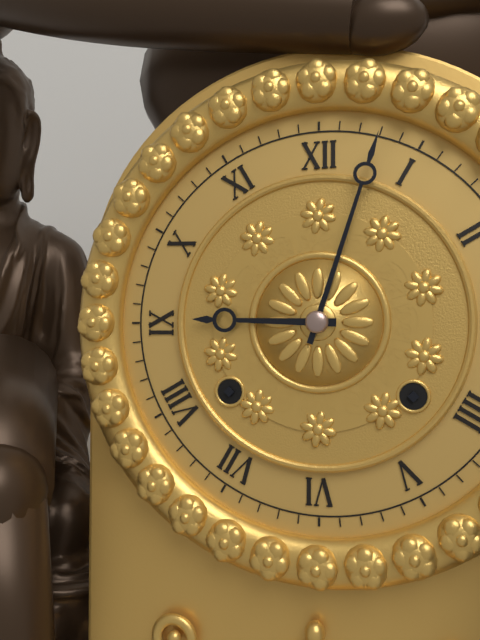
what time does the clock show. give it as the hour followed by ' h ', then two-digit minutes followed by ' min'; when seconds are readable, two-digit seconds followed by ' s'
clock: 9 h 03 min
